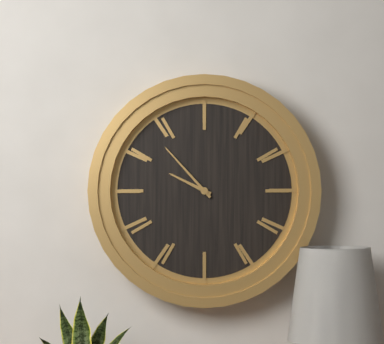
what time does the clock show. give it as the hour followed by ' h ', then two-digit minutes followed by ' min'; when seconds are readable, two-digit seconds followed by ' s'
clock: 9 h 53 min
